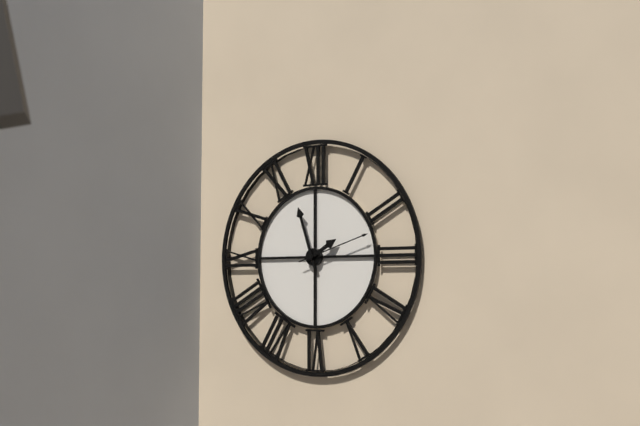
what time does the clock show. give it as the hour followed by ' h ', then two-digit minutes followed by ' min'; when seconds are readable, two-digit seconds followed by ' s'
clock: 1 h 57 min 12 s
